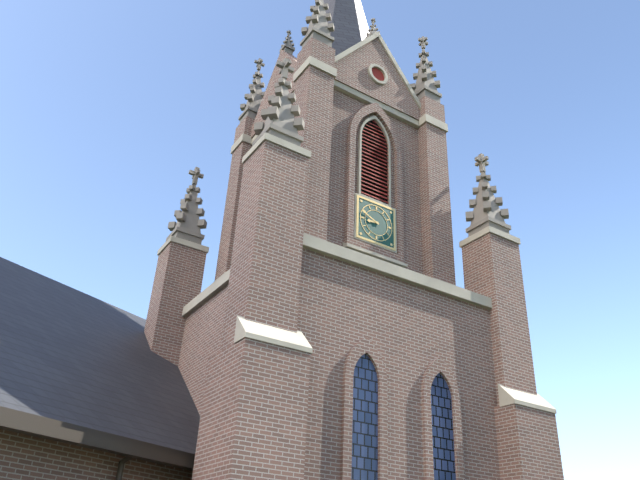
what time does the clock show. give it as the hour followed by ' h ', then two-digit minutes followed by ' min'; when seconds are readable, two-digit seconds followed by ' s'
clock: 8 h 49 min
